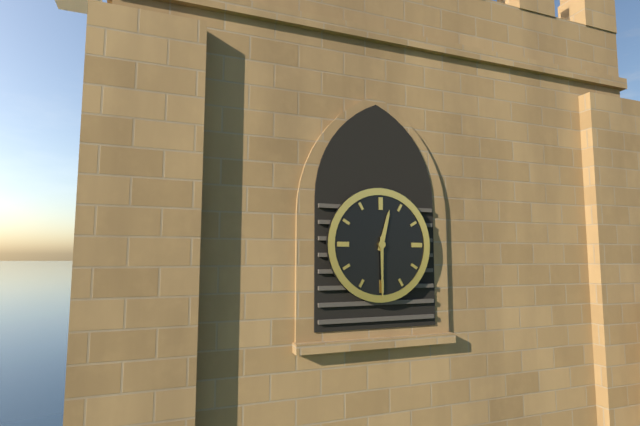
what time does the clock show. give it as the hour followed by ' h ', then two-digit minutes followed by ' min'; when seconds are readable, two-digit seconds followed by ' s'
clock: 12 h 30 min
